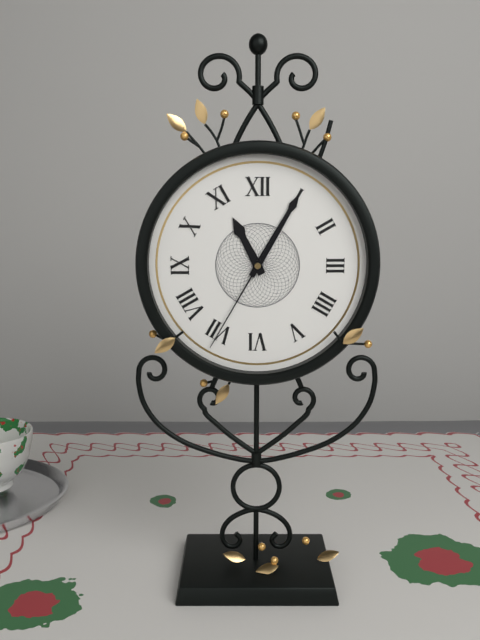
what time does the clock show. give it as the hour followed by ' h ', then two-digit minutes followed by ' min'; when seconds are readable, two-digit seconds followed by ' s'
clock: 11 h 05 min 35 s
